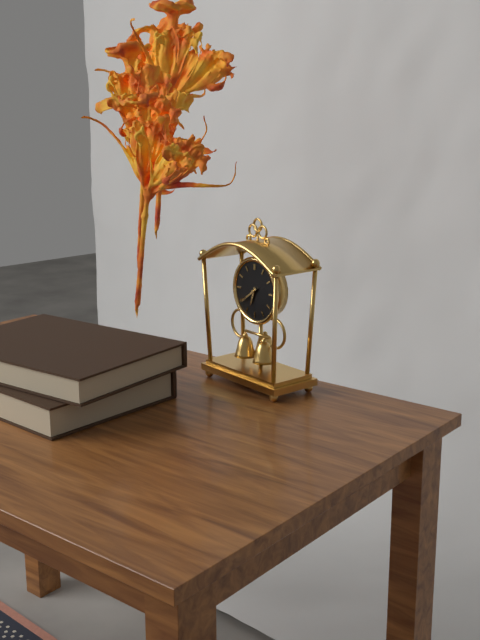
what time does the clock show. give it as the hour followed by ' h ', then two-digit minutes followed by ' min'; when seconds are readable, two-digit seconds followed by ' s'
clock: 6 h 39 min
